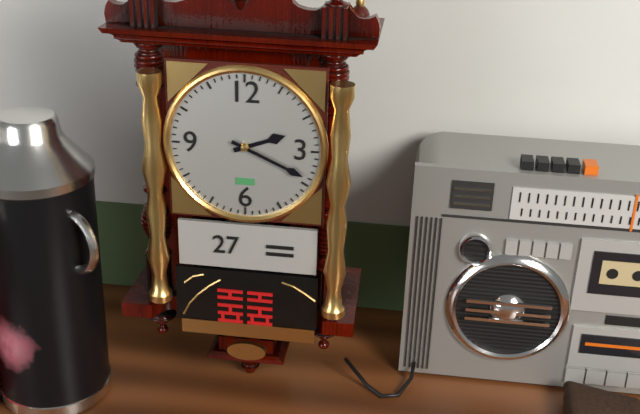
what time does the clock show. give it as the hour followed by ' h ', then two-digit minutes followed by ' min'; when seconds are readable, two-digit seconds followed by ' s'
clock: 2 h 19 min
